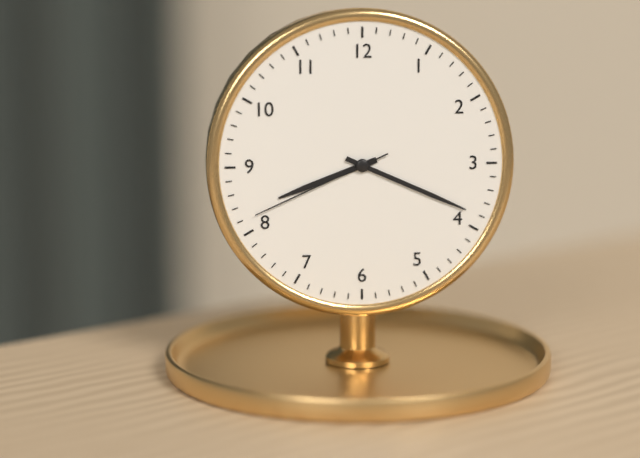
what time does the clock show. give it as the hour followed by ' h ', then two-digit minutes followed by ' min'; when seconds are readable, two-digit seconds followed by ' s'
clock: 8 h 19 min 41 s
